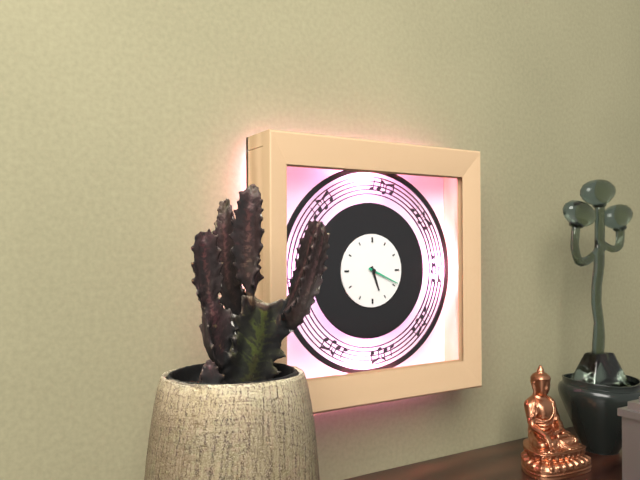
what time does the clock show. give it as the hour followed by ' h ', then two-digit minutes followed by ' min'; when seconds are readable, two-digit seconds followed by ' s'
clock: 5 h 19 min
